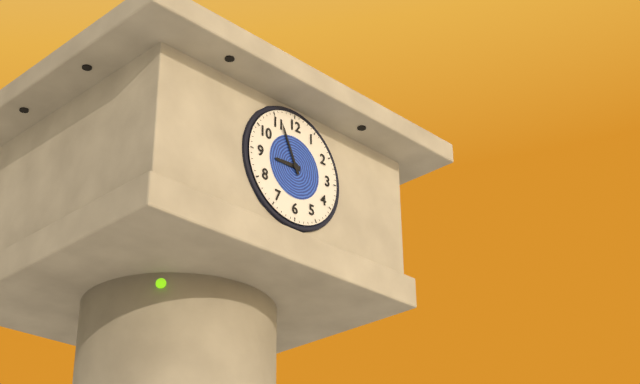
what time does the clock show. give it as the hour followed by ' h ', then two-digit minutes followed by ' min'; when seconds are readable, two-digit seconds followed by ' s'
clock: 8 h 56 min
